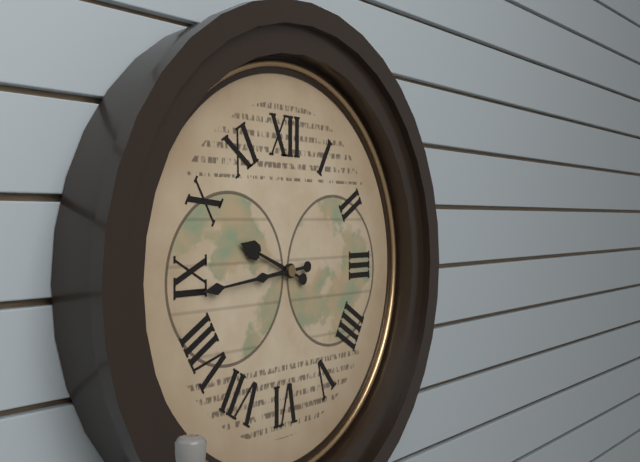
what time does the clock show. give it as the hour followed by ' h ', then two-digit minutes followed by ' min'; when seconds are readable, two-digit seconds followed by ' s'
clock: 9 h 44 min
